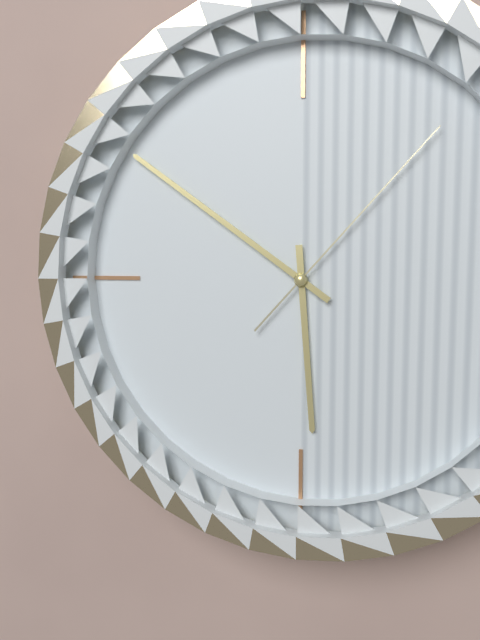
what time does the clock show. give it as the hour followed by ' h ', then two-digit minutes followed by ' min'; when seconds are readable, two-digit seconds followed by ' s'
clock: 5 h 51 min 07 s
